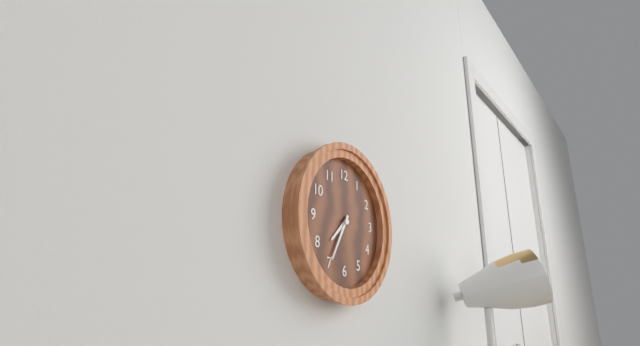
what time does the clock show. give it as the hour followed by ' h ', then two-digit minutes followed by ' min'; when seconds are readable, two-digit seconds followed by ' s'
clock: 7 h 35 min
